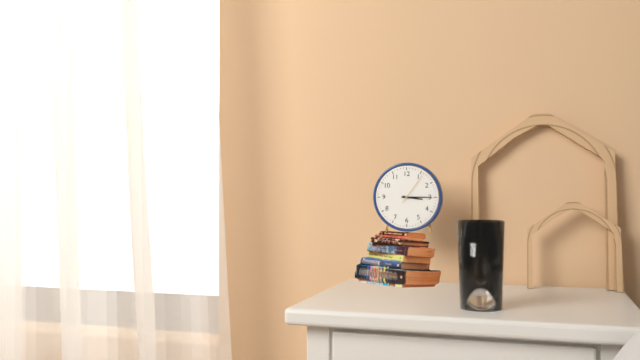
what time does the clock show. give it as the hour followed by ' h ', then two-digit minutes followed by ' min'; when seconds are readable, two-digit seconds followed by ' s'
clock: 3 h 15 min
